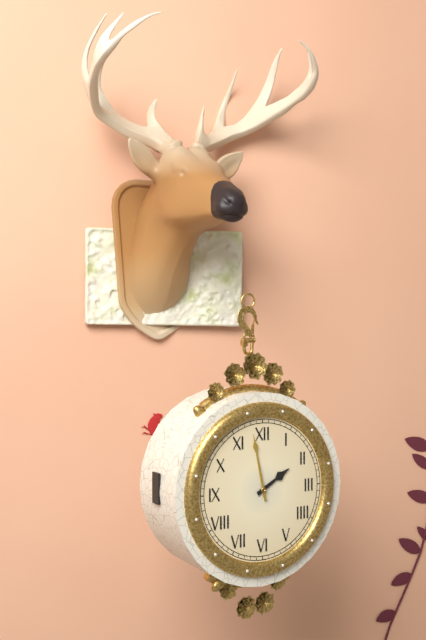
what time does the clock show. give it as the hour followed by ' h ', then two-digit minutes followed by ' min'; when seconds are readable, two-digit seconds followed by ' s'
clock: 1 h 58 min
